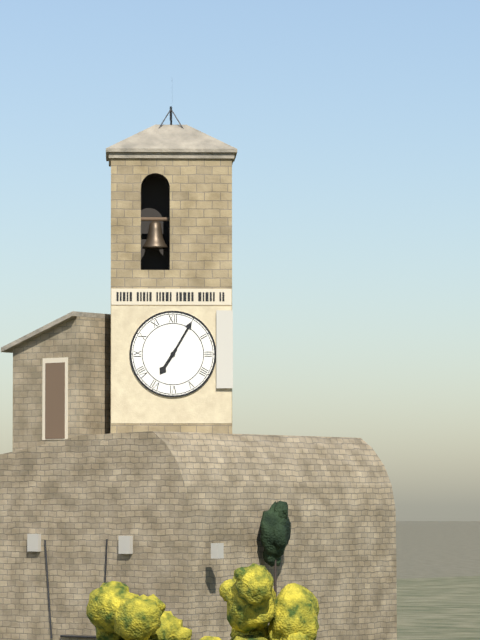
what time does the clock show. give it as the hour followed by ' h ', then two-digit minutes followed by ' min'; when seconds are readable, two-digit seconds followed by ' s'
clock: 7 h 05 min
